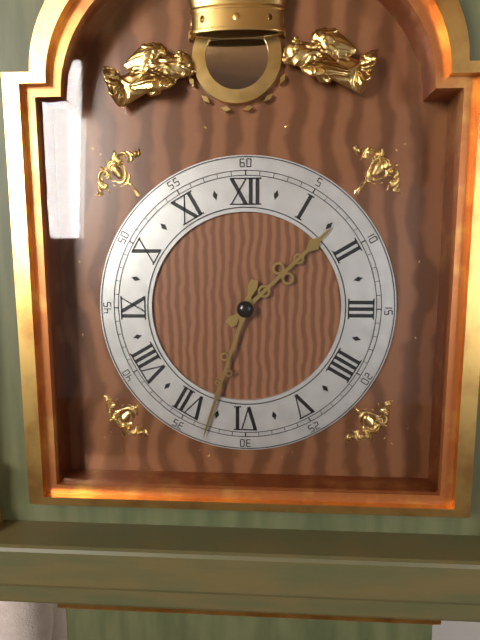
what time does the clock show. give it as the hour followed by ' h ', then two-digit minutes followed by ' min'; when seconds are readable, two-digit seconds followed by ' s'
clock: 1 h 33 min
